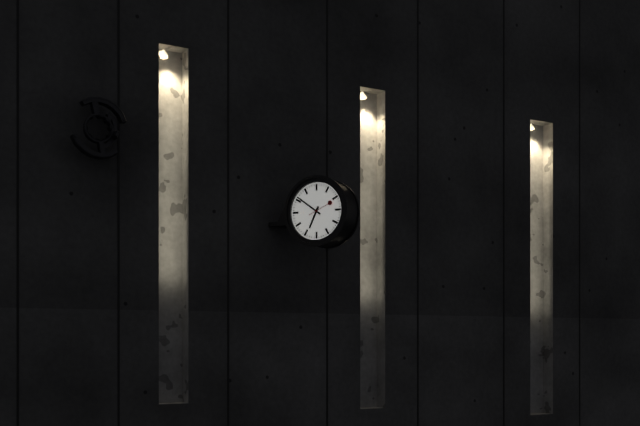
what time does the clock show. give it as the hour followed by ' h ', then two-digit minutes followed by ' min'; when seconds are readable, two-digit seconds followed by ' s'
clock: 6 h 51 min
